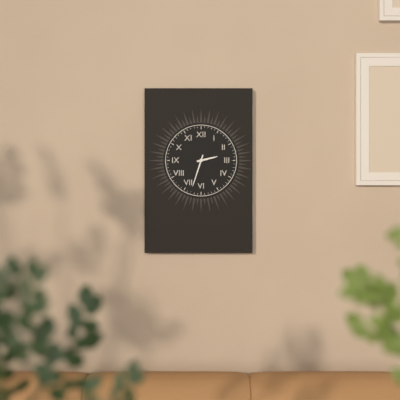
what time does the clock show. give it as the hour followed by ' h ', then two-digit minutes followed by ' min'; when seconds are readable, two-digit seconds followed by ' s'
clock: 2 h 33 min
